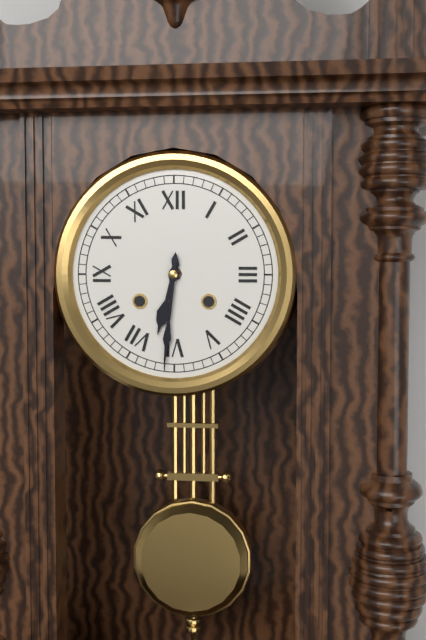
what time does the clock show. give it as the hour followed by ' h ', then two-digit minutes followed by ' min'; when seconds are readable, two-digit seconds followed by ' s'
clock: 6 h 31 min
